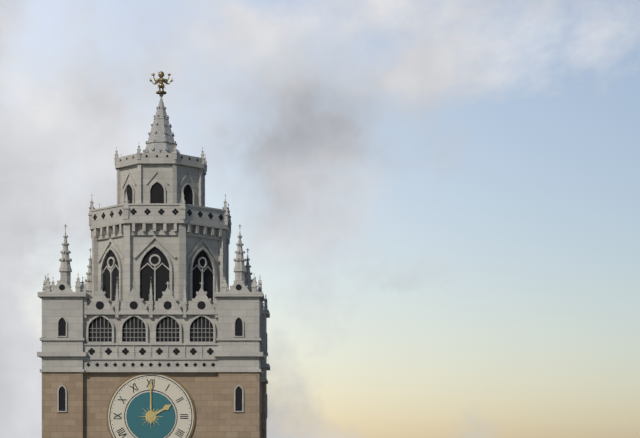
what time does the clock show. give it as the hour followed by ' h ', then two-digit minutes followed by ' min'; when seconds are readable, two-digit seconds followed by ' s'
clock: 2 h 00 min
